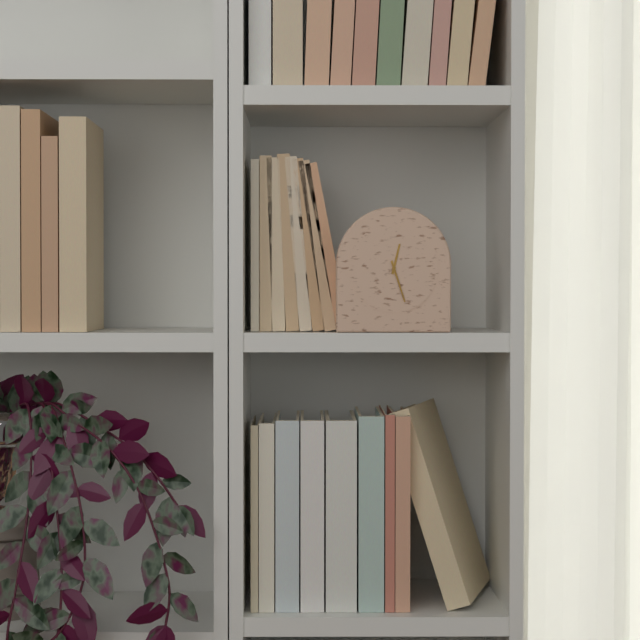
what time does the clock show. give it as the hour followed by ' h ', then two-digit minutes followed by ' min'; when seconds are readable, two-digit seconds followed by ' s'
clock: 12 h 27 min
